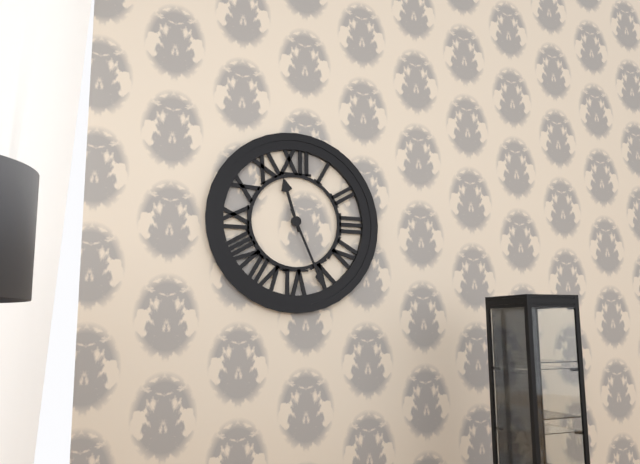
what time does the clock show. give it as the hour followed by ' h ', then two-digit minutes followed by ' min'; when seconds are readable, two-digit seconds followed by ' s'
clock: 11 h 26 min
